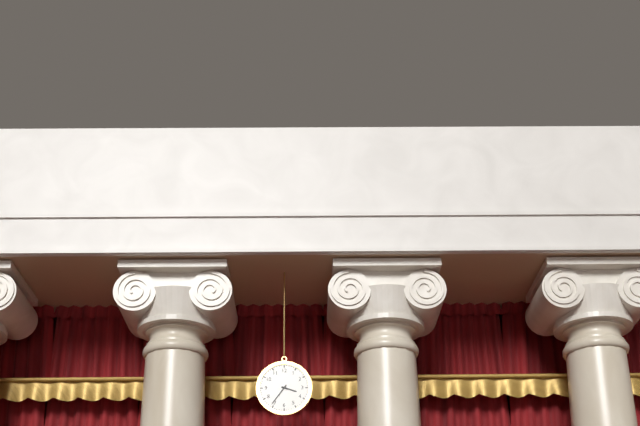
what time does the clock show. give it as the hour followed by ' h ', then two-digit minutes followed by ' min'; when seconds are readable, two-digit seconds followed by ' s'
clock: 3 h 36 min
